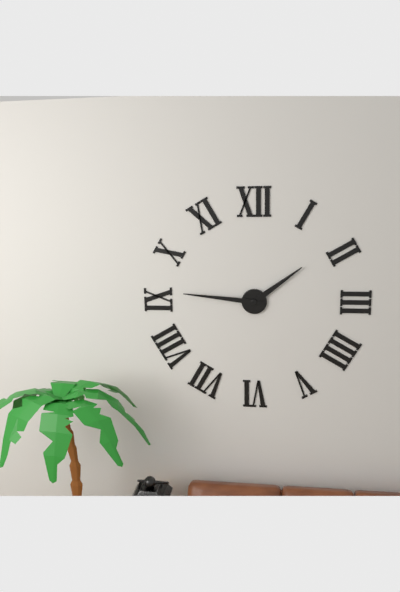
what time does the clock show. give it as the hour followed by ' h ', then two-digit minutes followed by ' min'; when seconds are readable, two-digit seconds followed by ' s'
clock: 1 h 46 min
